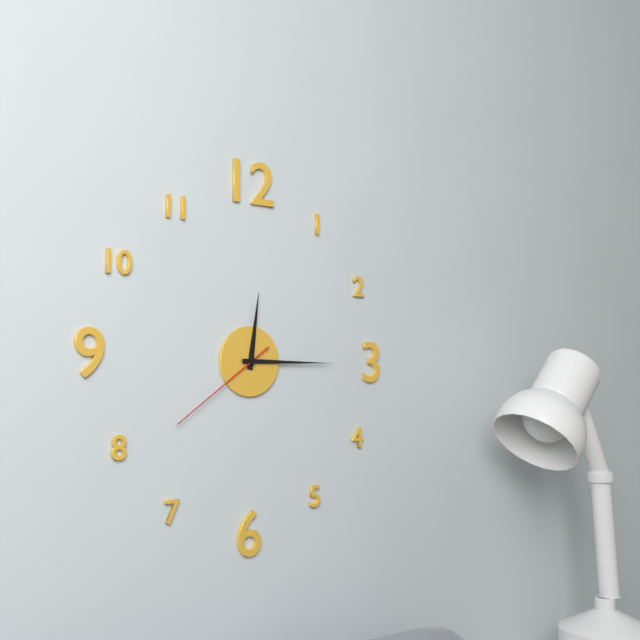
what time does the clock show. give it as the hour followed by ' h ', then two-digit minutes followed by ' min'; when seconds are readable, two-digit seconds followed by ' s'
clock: 12 h 15 min 39 s
